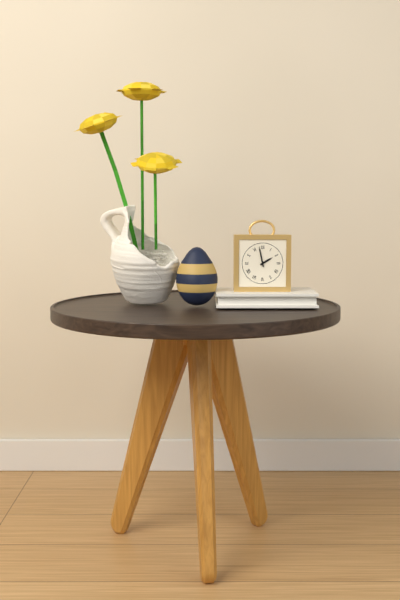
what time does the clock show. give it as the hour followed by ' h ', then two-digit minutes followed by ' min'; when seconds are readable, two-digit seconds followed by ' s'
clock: 1 h 58 min
